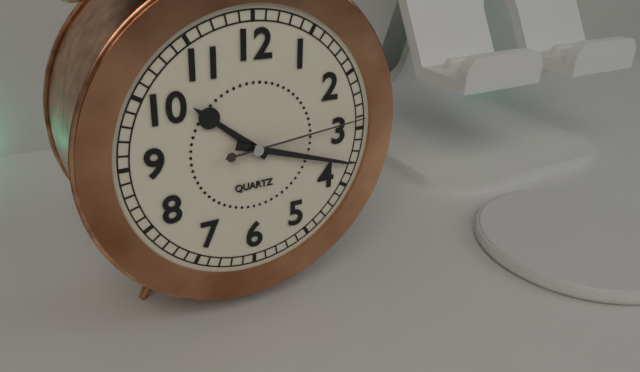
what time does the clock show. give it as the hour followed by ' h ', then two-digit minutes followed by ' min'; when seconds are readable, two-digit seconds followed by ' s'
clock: 10 h 18 min 14 s
